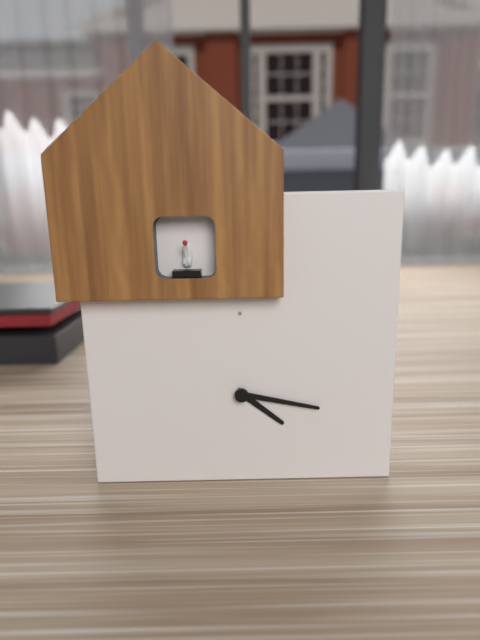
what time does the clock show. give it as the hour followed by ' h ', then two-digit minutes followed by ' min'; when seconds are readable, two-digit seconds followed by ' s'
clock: 4 h 17 min
